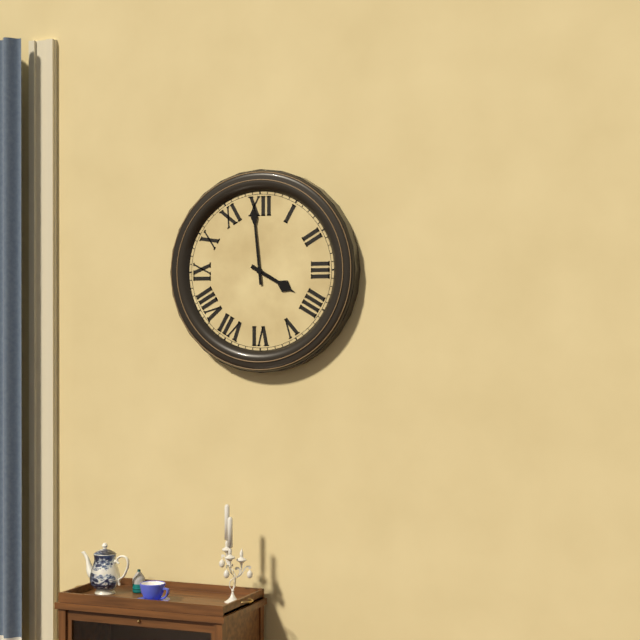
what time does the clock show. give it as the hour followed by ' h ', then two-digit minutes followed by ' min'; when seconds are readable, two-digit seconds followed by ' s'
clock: 3 h 59 min
